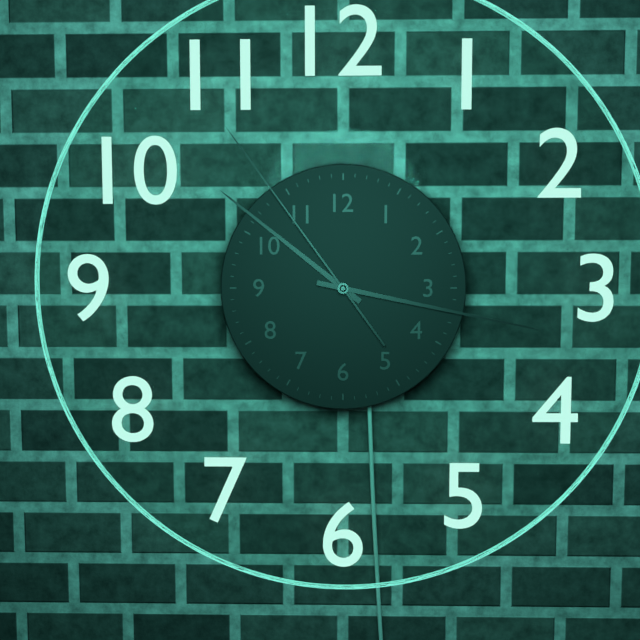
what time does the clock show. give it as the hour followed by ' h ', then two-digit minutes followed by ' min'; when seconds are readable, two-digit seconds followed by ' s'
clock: 10 h 17 min 54 s
